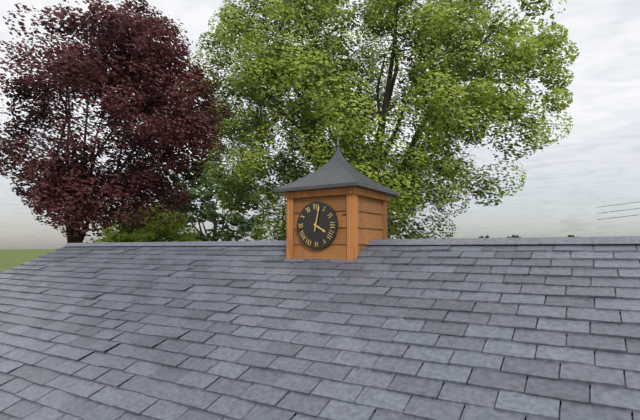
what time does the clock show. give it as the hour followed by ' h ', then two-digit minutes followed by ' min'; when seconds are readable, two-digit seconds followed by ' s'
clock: 4 h 02 min
